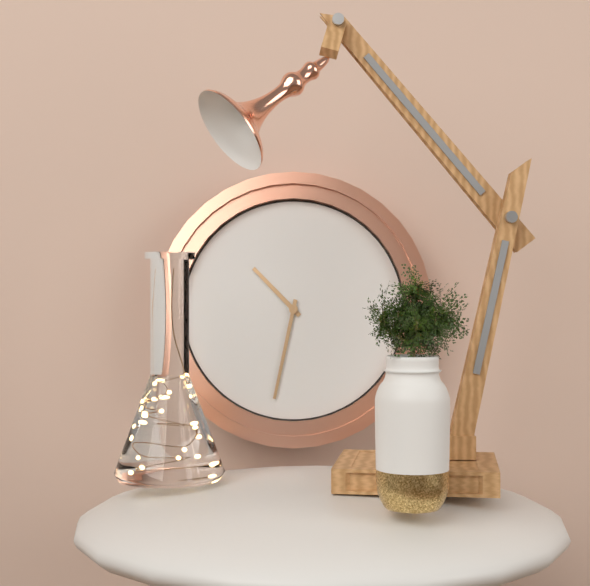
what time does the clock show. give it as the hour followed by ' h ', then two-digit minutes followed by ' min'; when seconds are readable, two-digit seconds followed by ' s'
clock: 10 h 32 min
